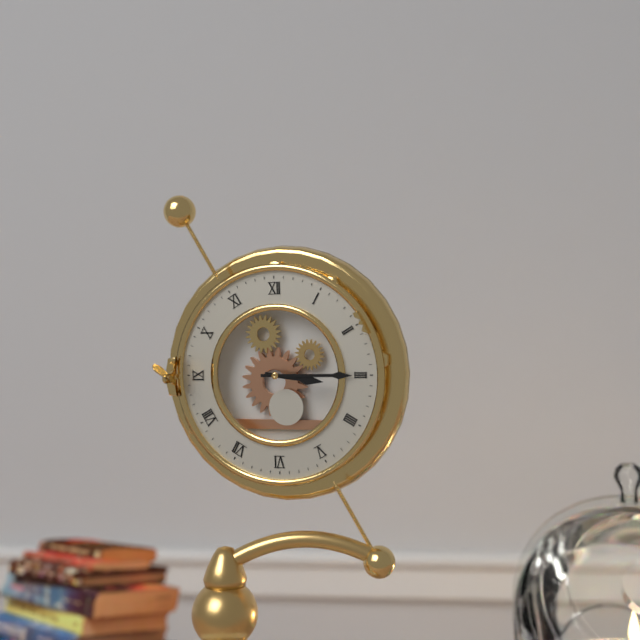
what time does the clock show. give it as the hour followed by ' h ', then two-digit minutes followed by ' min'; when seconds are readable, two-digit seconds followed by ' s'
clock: 3 h 15 min
